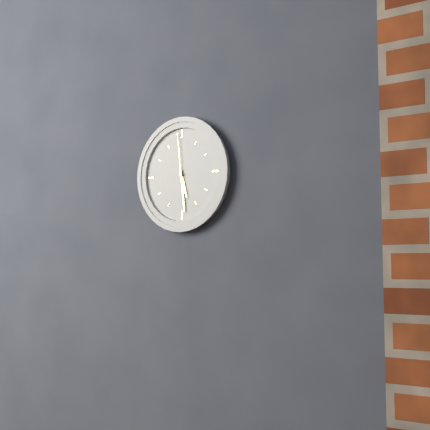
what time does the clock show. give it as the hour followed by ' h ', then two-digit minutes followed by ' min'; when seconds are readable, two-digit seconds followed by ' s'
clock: 5 h 29 min 59 s
